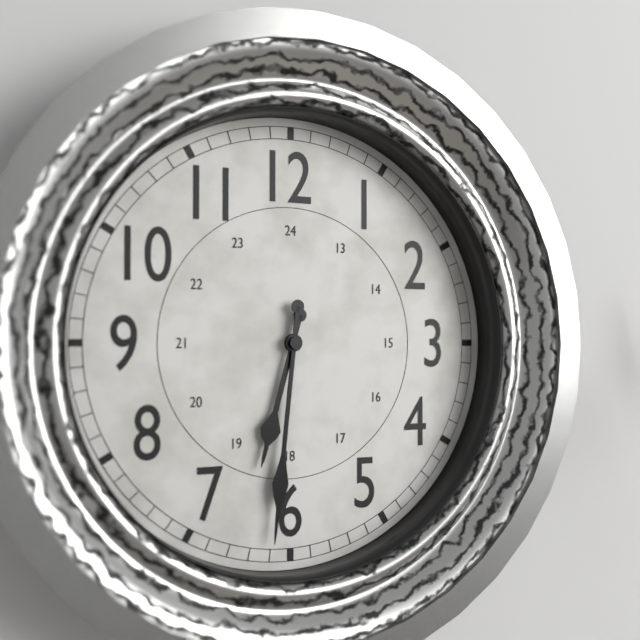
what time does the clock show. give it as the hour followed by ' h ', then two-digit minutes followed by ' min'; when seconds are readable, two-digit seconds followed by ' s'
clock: 6 h 31 min
